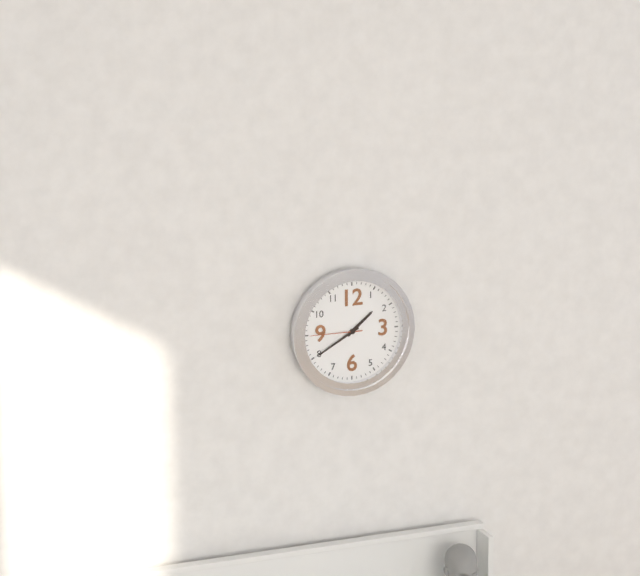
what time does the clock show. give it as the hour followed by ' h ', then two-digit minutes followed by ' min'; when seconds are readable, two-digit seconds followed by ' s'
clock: 1 h 40 min 45 s
